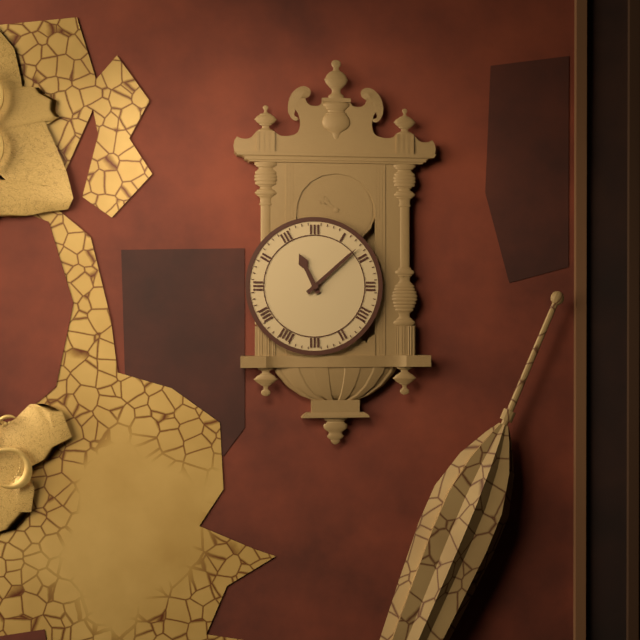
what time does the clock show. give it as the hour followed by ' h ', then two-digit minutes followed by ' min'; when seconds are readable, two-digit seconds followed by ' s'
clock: 11 h 08 min
